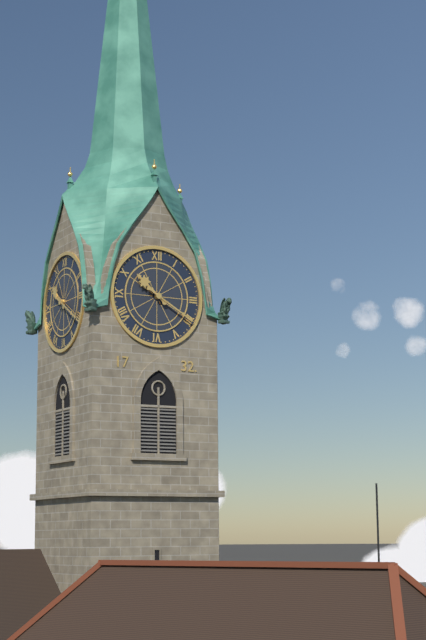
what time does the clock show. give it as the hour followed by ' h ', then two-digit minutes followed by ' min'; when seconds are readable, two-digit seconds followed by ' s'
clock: 10 h 20 min
